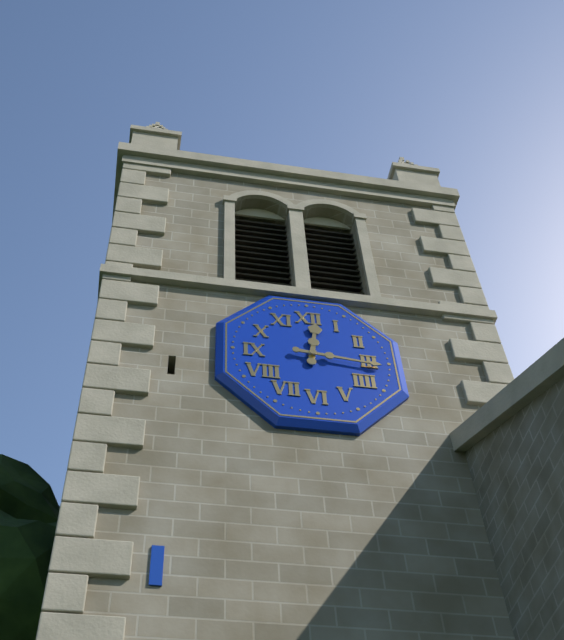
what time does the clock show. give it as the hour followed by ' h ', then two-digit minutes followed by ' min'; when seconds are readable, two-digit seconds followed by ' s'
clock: 12 h 16 min
